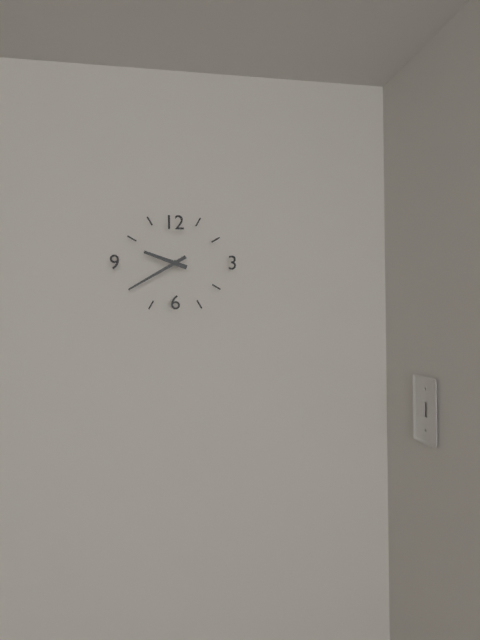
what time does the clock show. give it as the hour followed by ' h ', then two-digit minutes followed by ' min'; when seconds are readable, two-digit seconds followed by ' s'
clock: 9 h 40 min
